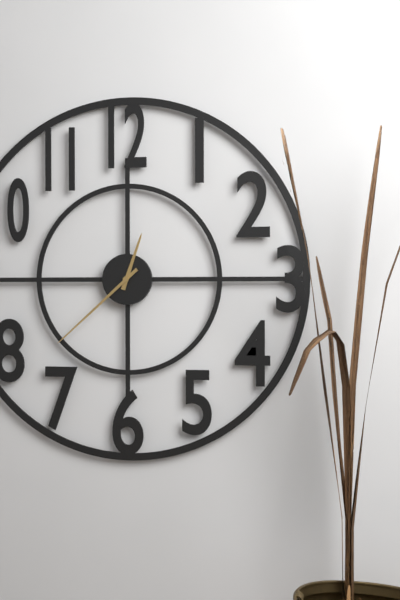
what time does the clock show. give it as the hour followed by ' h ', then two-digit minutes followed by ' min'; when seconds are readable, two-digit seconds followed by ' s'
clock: 12 h 38 min
